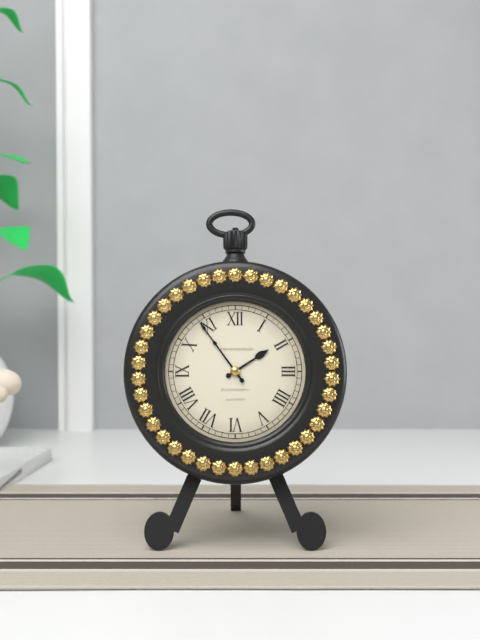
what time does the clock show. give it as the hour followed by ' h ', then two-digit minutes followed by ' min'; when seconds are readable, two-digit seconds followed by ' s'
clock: 1 h 54 min
